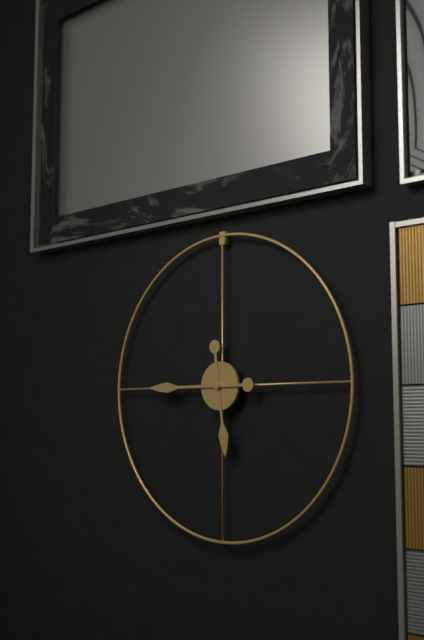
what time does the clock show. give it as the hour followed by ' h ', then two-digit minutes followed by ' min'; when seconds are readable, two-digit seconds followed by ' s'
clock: 5 h 45 min
